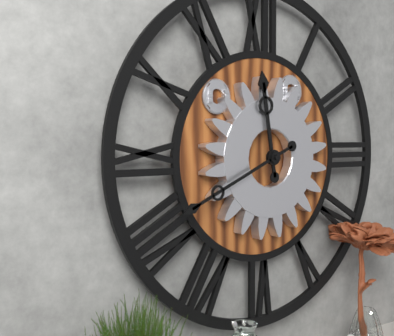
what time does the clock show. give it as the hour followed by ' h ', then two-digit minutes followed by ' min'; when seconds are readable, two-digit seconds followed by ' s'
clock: 11 h 41 min
